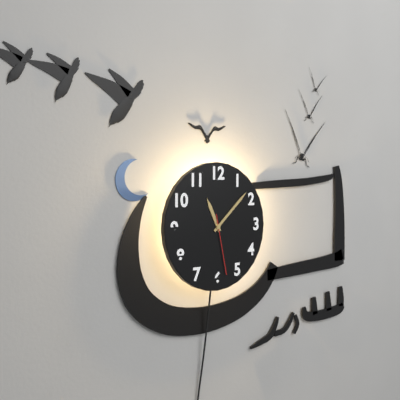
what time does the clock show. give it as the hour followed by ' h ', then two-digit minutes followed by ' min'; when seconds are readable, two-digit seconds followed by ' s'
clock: 11 h 08 min 28 s
